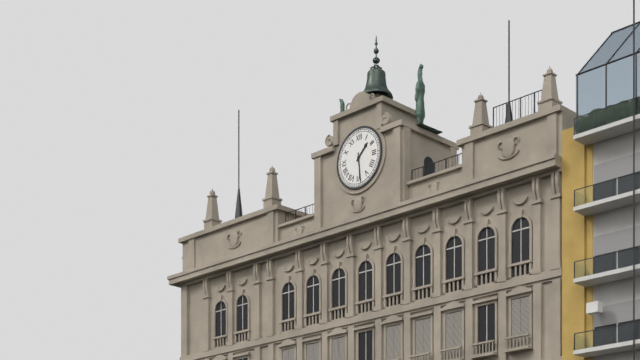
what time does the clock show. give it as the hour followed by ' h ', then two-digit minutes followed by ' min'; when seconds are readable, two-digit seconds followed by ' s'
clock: 1 h 29 min
